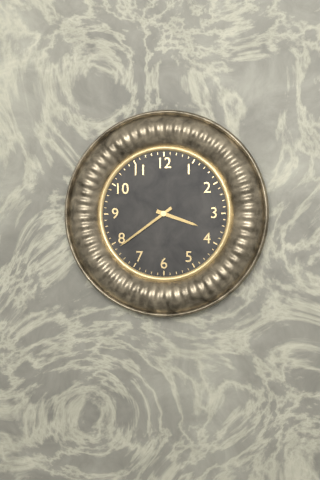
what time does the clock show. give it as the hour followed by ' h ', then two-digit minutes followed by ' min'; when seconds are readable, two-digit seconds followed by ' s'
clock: 3 h 39 min
